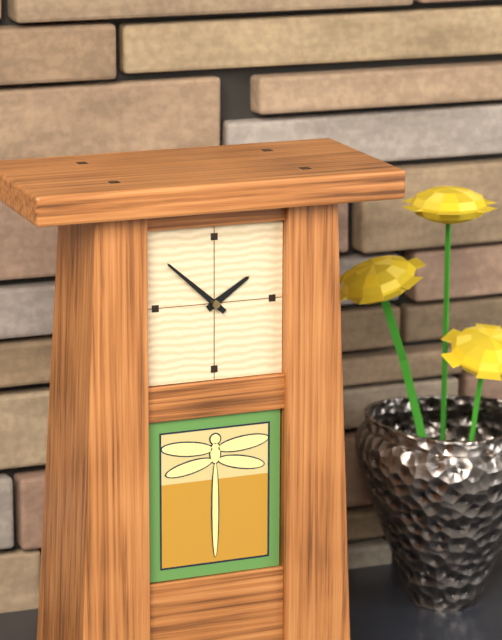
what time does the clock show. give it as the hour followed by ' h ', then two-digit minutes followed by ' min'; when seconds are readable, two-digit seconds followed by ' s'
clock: 1 h 52 min
